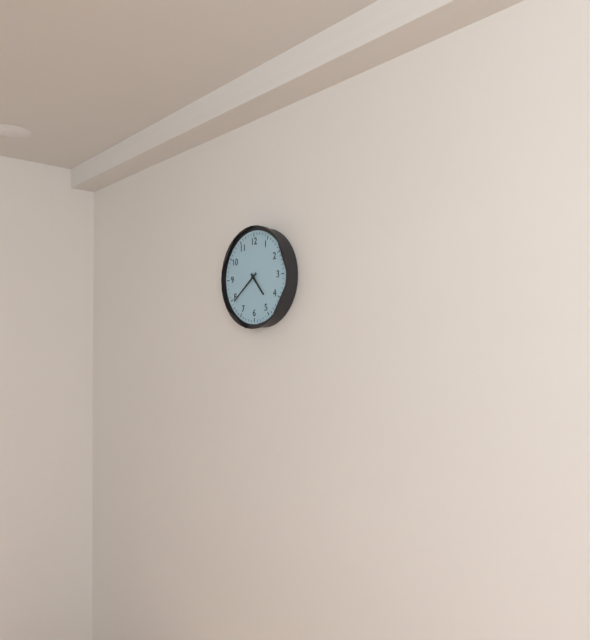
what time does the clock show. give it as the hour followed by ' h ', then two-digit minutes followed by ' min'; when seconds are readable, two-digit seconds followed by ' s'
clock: 4 h 39 min
